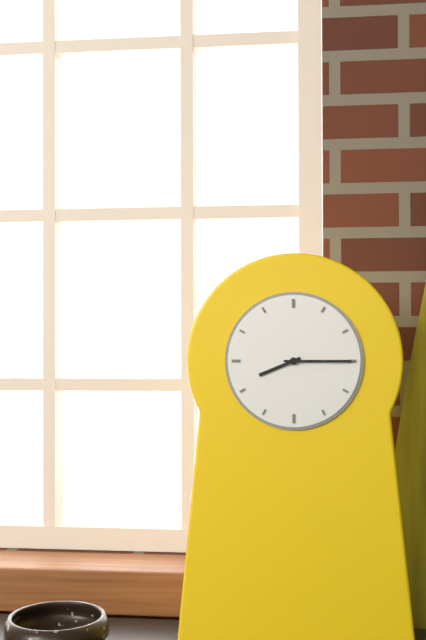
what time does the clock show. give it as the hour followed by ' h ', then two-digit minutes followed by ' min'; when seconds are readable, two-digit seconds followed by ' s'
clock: 8 h 15 min
